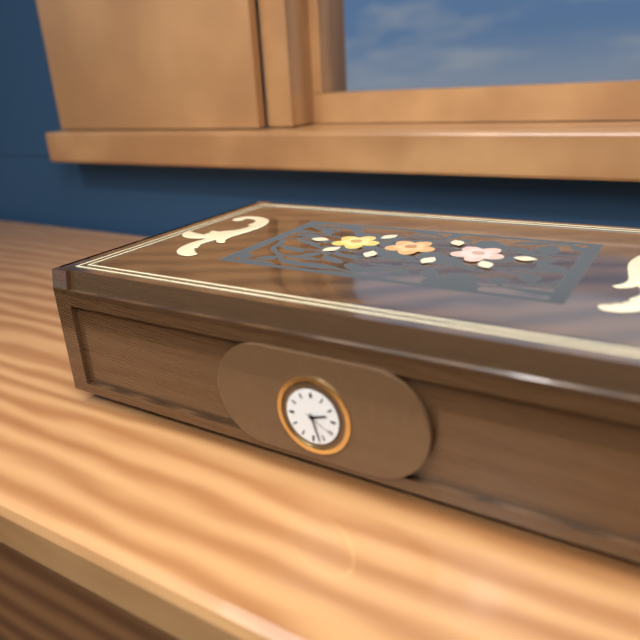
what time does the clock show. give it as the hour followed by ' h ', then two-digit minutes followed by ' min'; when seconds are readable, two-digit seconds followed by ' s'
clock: 2 h 27 min 20 s
